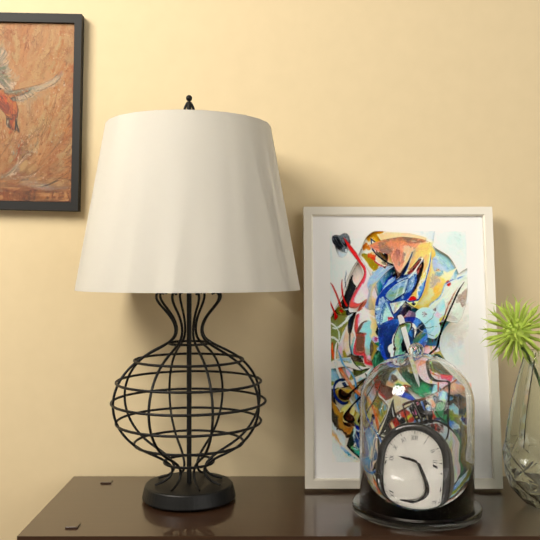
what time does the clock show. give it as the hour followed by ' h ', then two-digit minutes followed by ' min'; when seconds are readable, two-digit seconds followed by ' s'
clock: 9 h 19 min
